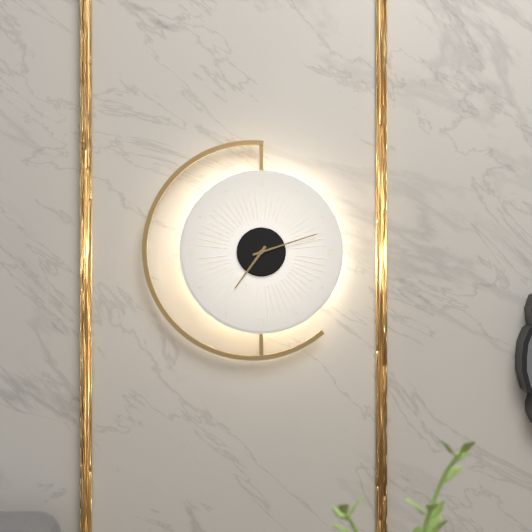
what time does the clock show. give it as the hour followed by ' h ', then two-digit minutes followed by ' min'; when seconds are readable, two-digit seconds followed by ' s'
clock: 7 h 12 min
